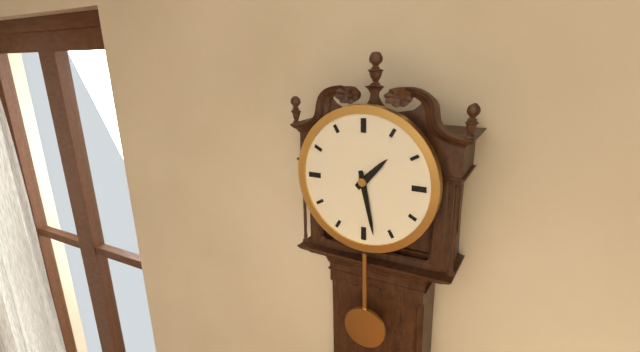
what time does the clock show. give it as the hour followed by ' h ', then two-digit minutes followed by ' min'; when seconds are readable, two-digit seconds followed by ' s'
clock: 1 h 28 min
